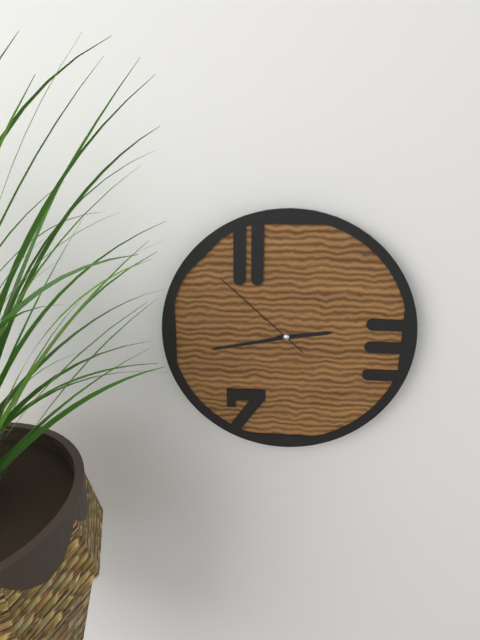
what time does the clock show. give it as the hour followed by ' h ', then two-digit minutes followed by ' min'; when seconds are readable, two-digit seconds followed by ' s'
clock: 2 h 43 min 52 s
